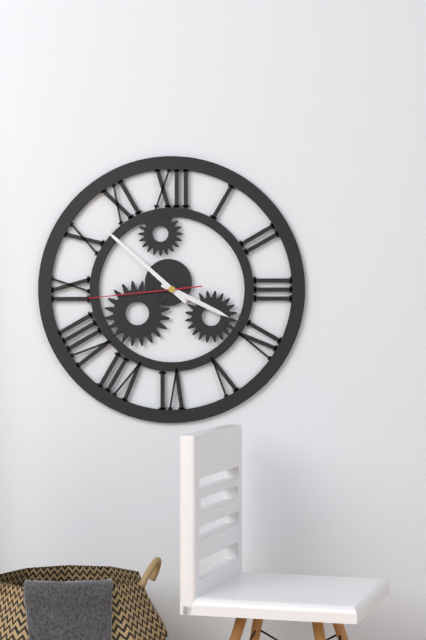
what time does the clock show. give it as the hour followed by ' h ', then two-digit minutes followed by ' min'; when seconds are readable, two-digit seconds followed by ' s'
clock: 3 h 52 min 44 s
